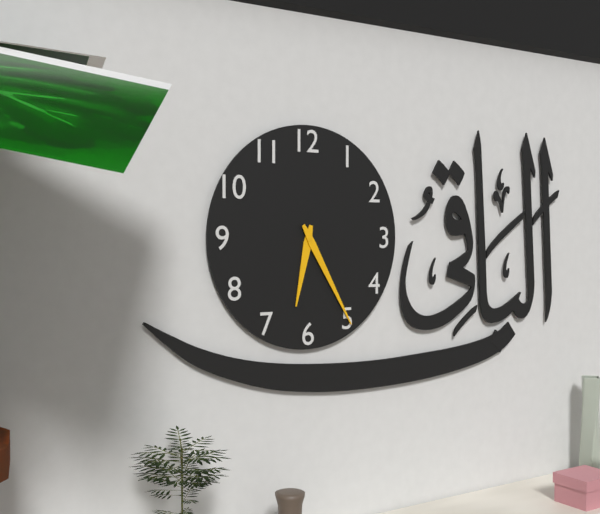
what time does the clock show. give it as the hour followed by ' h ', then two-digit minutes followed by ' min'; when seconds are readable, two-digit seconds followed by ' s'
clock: 6 h 25 min
